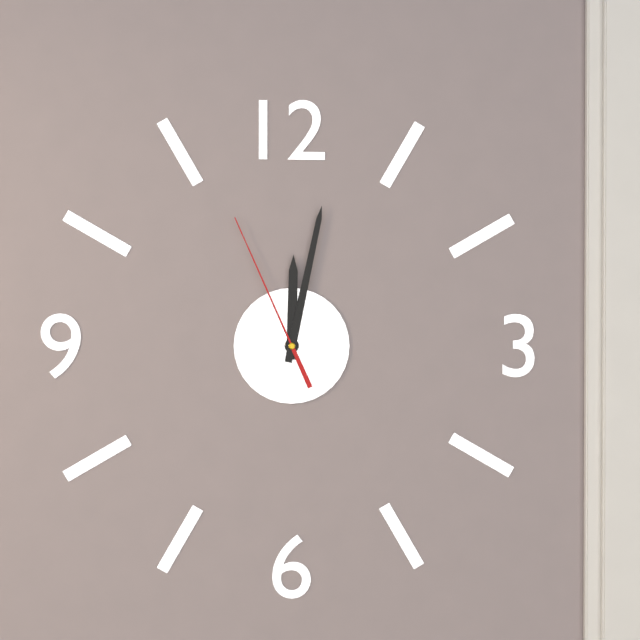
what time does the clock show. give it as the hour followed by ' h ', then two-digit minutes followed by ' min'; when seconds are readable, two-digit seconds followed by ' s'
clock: 12 h 02 min 56 s
